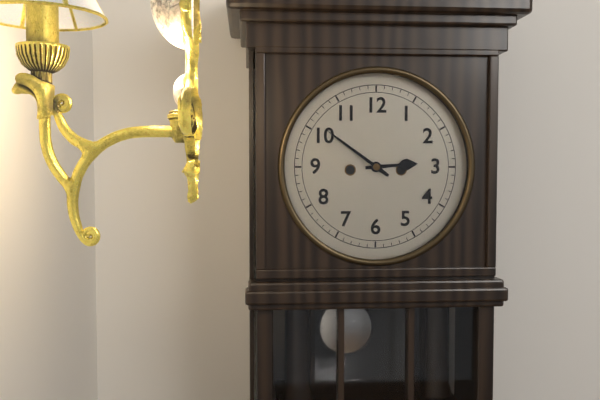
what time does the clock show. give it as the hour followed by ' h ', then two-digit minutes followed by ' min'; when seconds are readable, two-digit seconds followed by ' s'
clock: 2 h 51 min
